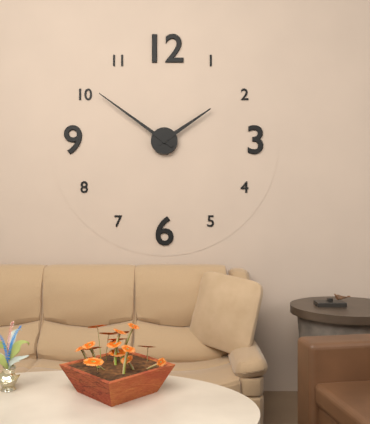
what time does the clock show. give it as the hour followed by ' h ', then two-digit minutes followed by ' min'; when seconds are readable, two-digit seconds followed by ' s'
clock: 1 h 51 min
